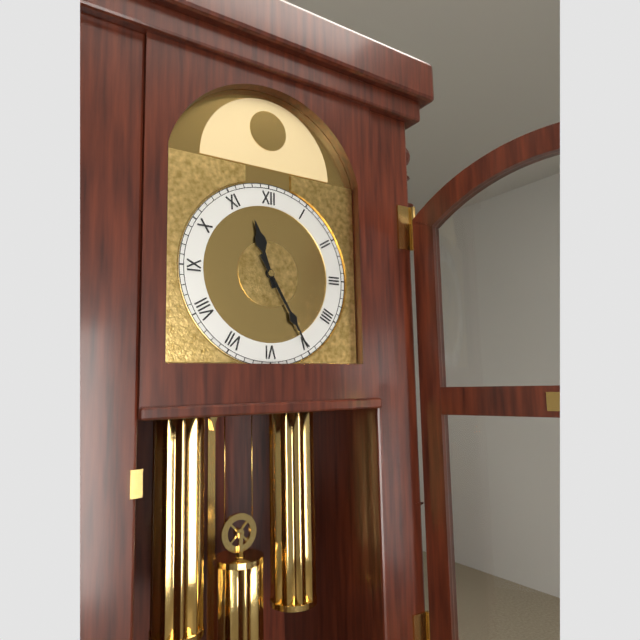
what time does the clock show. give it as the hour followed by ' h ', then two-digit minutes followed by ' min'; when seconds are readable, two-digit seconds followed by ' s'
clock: 11 h 25 min
